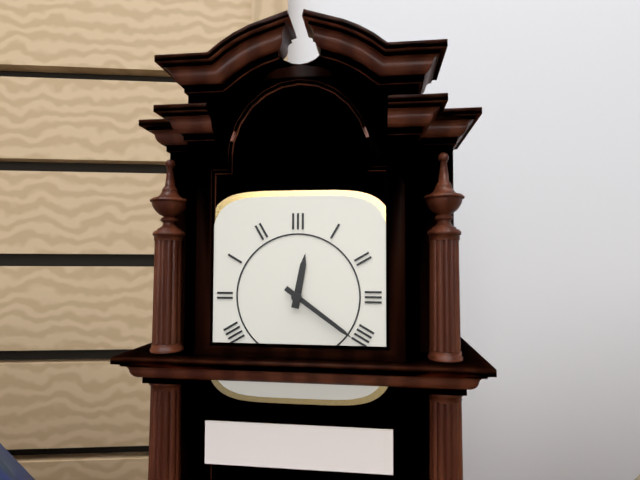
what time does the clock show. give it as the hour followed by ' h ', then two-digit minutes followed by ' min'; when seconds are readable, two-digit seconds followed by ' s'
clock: 12 h 21 min
